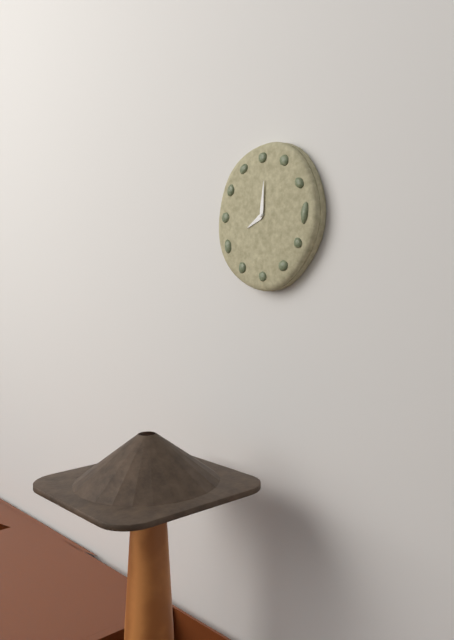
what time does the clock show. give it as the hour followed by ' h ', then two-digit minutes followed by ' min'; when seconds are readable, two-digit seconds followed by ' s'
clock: 8 h 01 min
